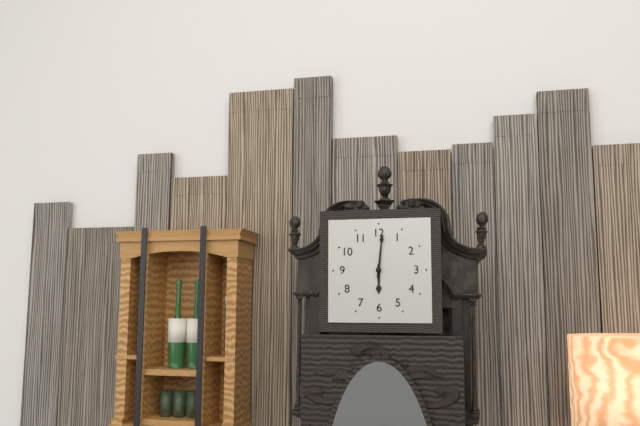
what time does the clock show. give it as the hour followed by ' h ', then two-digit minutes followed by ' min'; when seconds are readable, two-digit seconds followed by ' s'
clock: 6 h 01 min
